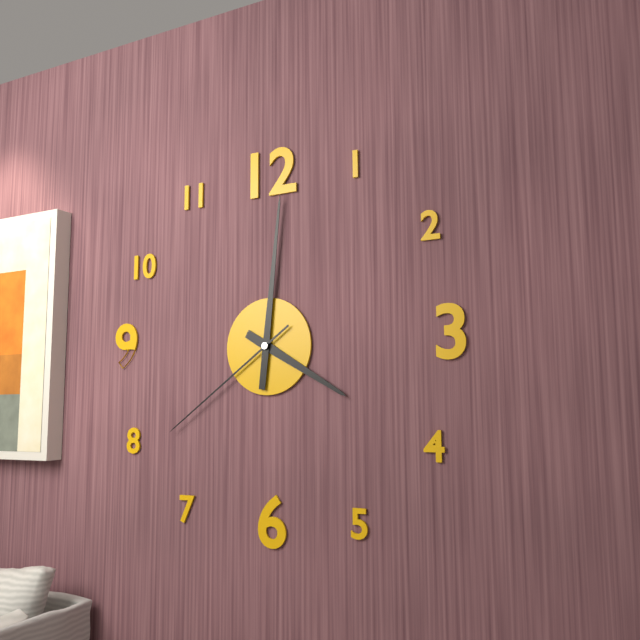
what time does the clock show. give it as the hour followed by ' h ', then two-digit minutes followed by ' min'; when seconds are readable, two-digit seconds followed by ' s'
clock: 4 h 01 min 39 s
